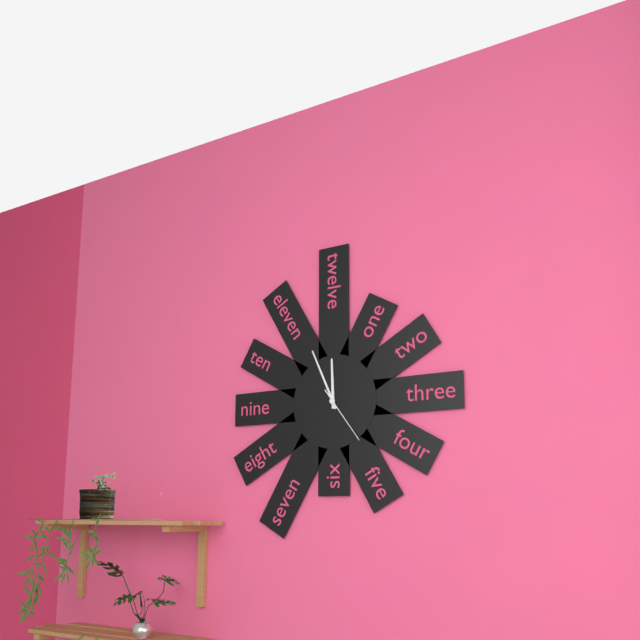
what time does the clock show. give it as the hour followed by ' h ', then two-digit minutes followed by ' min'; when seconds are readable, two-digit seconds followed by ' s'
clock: 11 h 56 min 24 s
